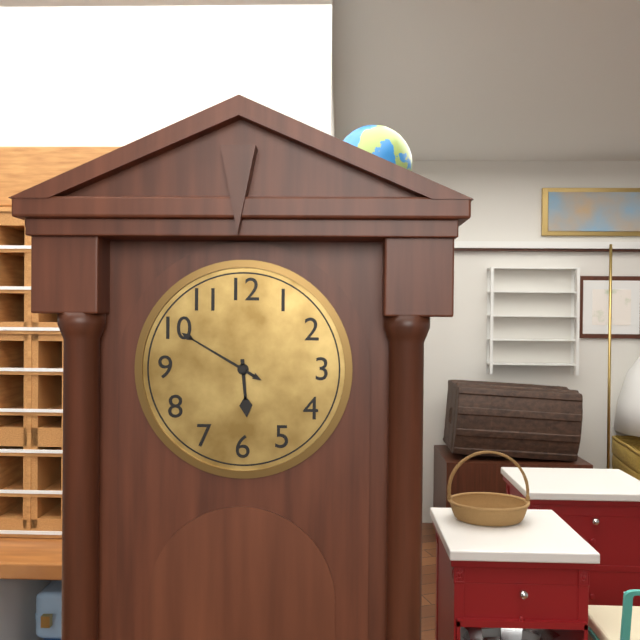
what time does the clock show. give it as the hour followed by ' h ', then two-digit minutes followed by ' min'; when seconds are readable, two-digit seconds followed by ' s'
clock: 5 h 50 min
